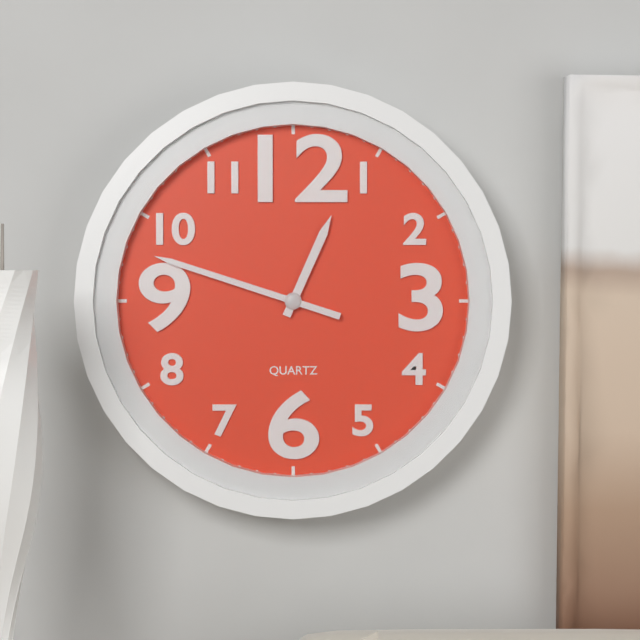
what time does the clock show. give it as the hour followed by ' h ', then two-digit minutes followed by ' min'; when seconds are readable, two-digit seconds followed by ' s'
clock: 12 h 48 min
